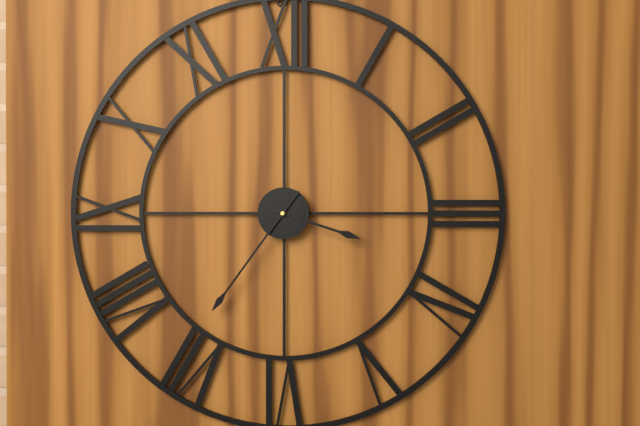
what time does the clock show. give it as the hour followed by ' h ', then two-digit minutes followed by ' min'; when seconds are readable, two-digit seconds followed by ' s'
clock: 3 h 36 min
